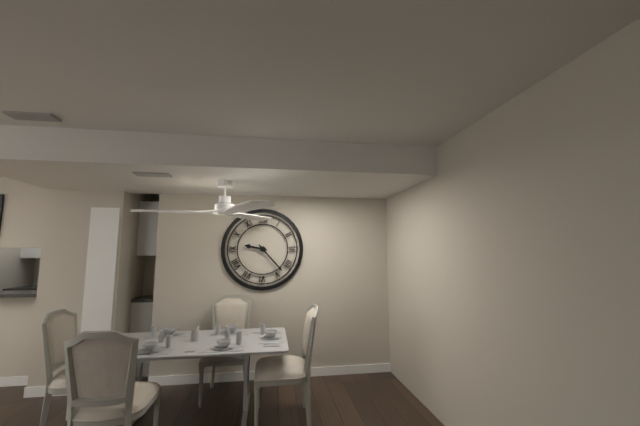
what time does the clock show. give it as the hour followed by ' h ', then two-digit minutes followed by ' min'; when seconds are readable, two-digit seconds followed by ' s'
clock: 9 h 23 min
